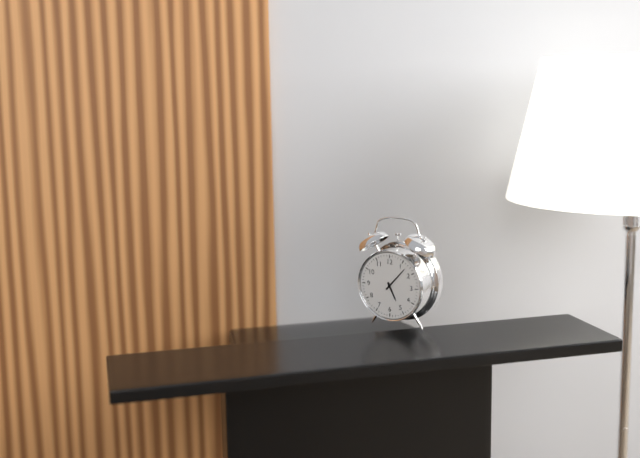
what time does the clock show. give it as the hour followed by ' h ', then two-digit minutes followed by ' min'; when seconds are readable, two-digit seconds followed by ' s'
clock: 5 h 07 min
